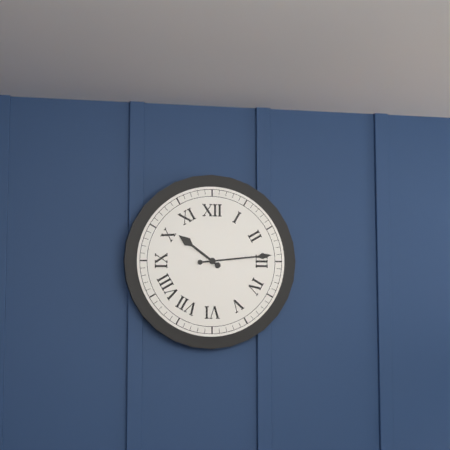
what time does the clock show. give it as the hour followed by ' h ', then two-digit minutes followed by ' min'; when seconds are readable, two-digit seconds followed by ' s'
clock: 10 h 14 min
